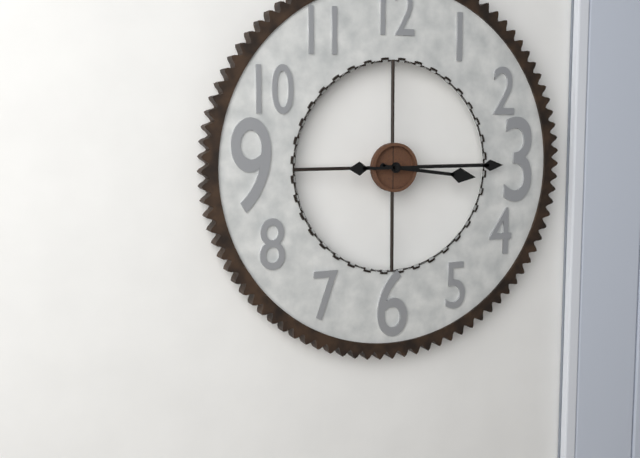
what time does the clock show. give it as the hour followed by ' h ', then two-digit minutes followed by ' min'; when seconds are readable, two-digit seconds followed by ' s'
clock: 3 h 15 min
